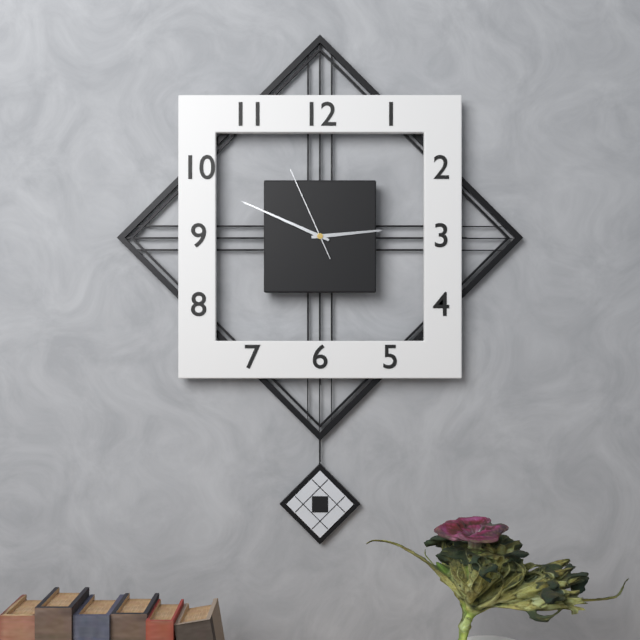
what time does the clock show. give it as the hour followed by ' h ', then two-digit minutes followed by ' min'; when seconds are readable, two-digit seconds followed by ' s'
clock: 2 h 49 min 56 s
